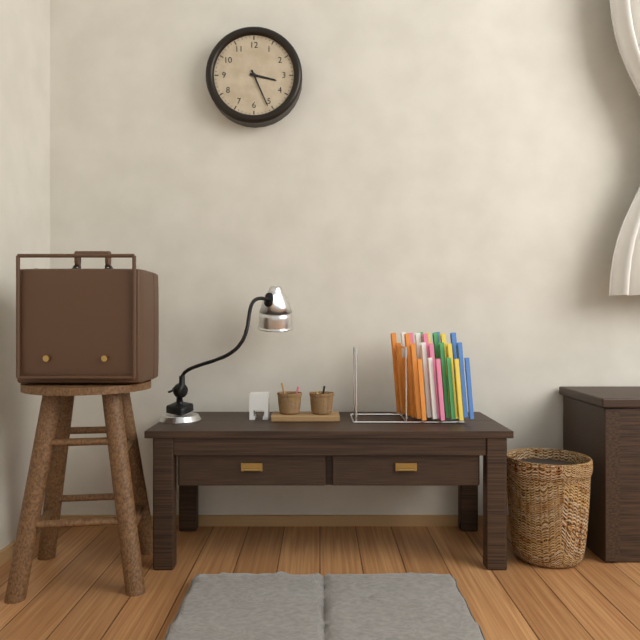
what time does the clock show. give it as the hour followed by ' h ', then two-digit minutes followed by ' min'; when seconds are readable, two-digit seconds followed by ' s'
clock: 3 h 26 min
